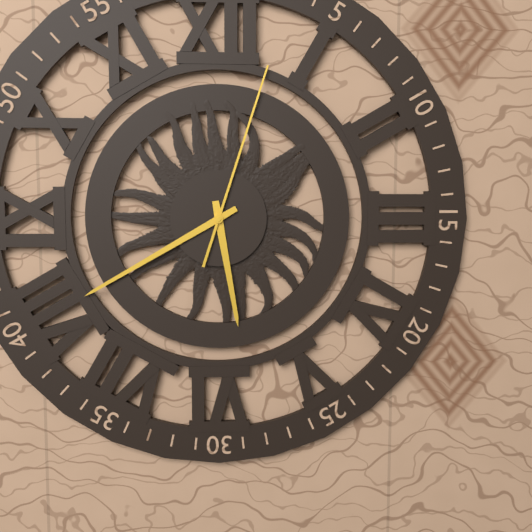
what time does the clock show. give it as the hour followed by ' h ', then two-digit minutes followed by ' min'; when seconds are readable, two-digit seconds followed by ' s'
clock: 5 h 40 min 03 s
